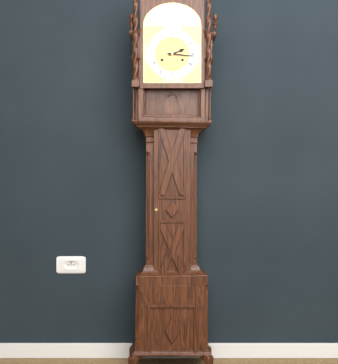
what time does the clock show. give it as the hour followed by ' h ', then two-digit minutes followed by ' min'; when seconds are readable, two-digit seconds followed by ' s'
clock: 2 h 16 min
